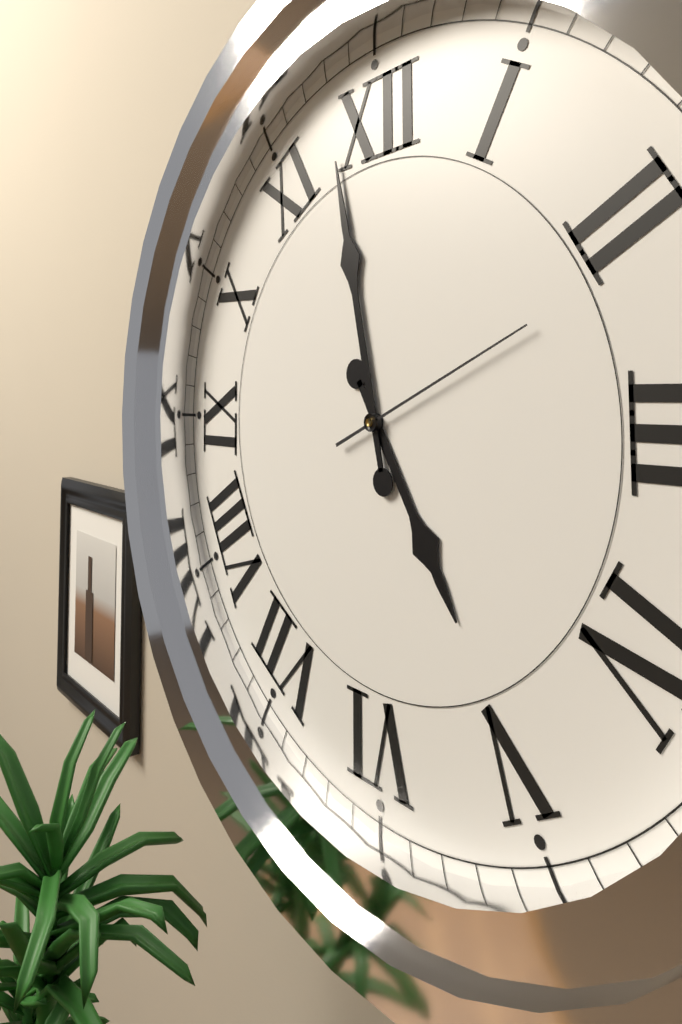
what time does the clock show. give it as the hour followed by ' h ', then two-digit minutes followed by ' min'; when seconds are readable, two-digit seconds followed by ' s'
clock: 4 h 58 min 11 s
